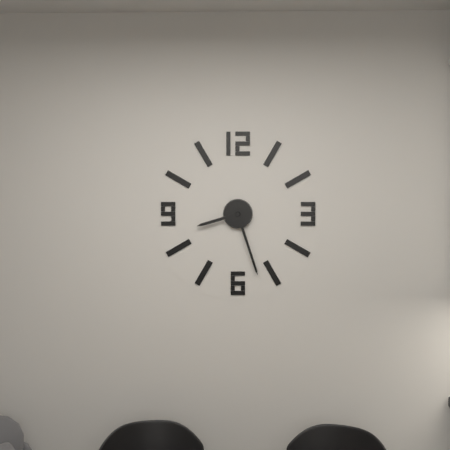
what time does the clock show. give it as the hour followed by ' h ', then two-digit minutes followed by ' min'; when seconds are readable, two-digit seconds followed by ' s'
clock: 8 h 27 min
